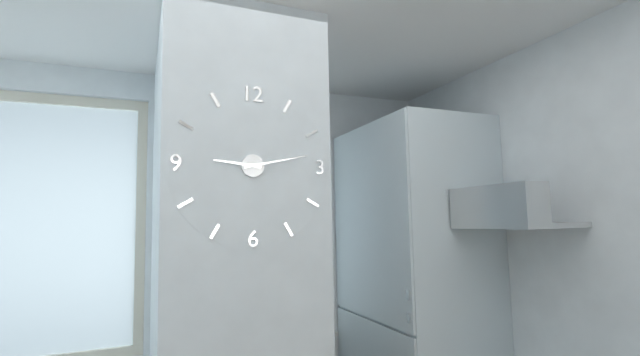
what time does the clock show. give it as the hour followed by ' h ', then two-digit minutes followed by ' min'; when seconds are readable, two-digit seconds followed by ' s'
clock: 9 h 13 min
